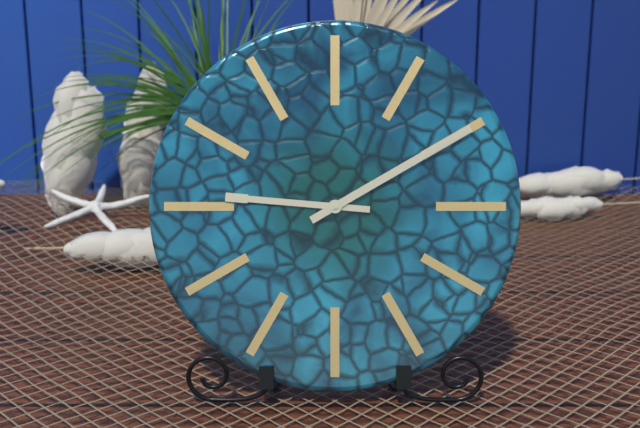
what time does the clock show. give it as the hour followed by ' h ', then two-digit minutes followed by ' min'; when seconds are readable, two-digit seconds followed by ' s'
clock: 9 h 10 min
